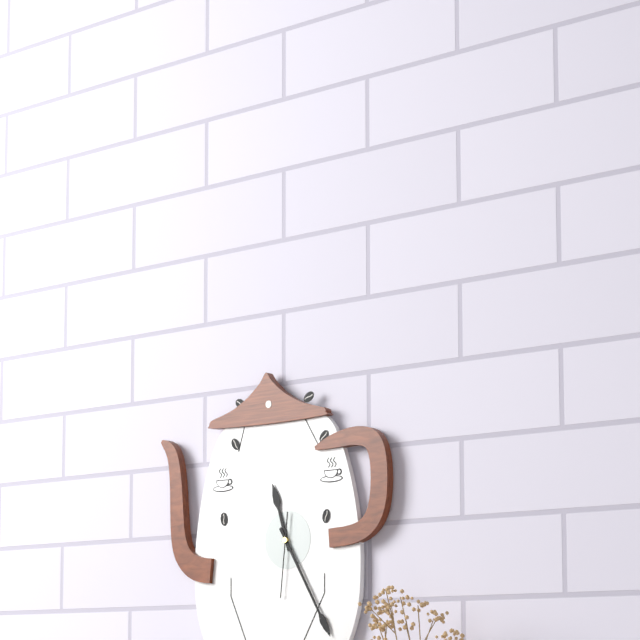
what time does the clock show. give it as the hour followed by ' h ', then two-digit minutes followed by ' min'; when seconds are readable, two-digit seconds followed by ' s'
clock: 11 h 25 min 31 s
